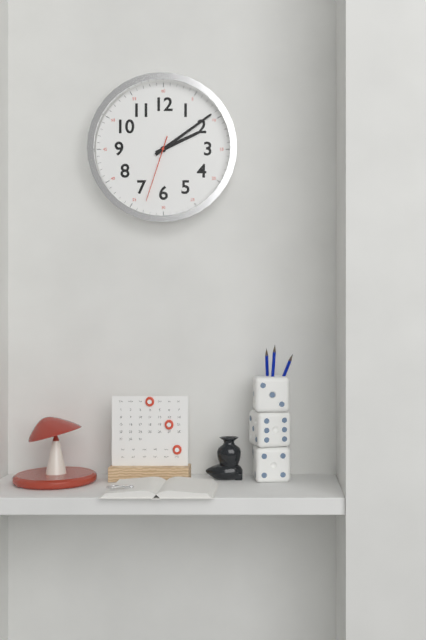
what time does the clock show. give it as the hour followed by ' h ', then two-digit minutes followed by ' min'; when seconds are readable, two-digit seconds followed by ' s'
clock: 2 h 09 min 33 s
